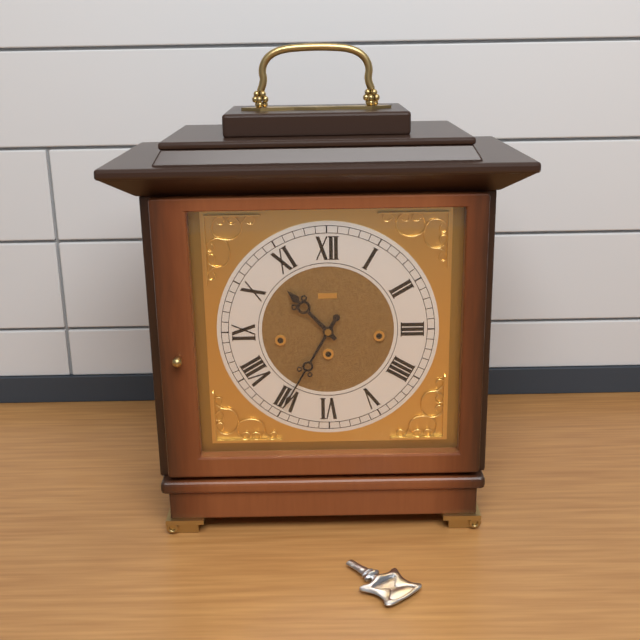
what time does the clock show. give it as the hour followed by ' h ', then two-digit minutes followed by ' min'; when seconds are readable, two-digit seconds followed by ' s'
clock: 10 h 35 min
